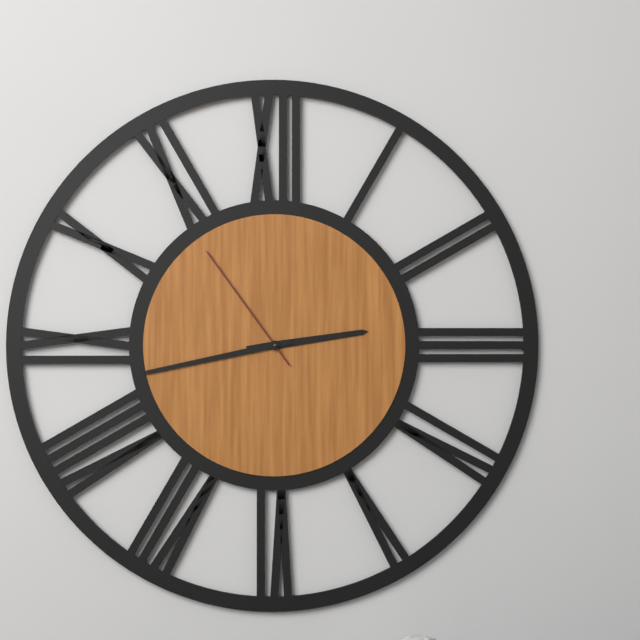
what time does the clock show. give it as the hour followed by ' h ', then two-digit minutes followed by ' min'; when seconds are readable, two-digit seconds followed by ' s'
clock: 2 h 43 min 54 s
